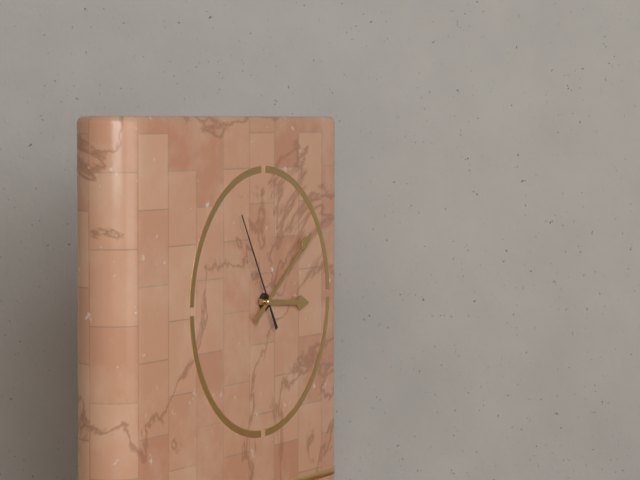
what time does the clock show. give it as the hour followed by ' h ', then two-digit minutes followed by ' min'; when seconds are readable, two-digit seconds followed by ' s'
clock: 3 h 09 min 55 s
